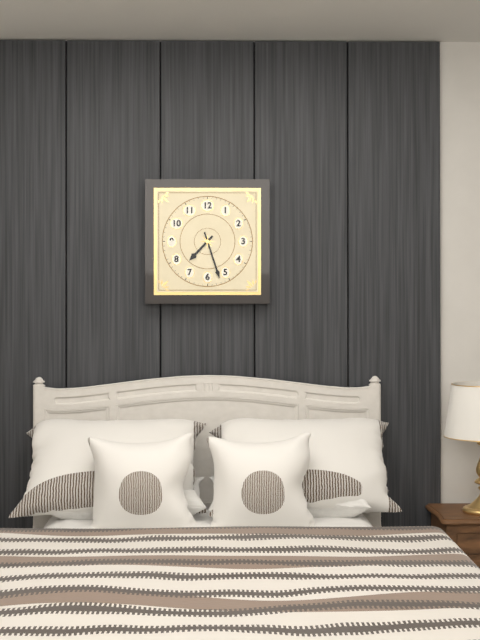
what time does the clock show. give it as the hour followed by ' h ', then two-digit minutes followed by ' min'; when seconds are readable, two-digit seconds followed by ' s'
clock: 7 h 27 min
